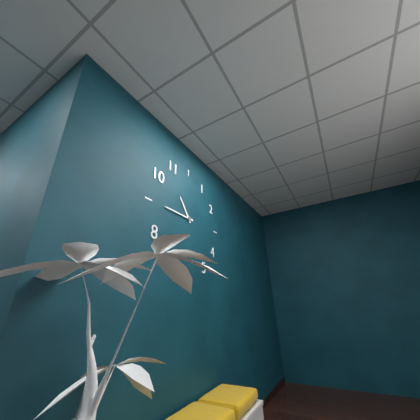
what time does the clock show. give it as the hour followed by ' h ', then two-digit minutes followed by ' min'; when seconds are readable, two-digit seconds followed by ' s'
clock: 10 h 45 min
